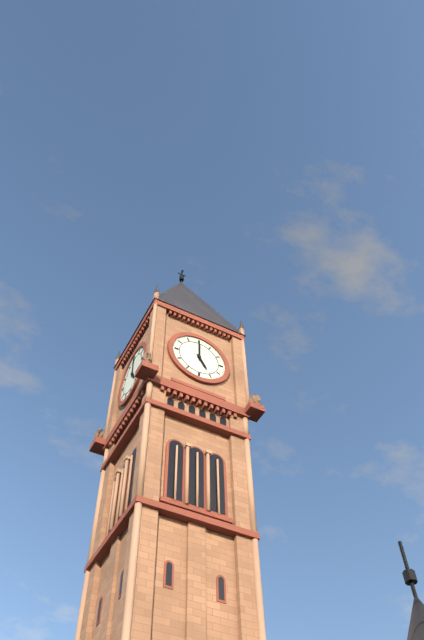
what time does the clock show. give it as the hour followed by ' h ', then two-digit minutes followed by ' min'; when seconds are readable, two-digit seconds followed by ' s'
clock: 5 h 00 min
